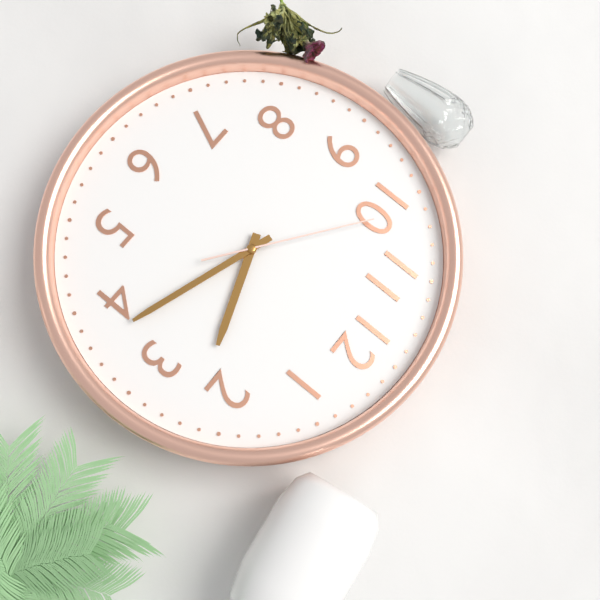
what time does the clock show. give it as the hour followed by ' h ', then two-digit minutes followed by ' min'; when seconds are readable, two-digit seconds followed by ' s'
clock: 2 h 18 min 51 s
